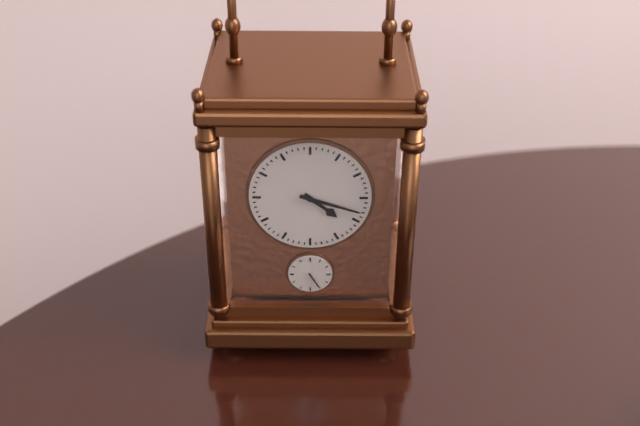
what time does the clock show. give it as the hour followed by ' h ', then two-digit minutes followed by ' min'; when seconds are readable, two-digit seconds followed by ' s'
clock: 4 h 18 min
